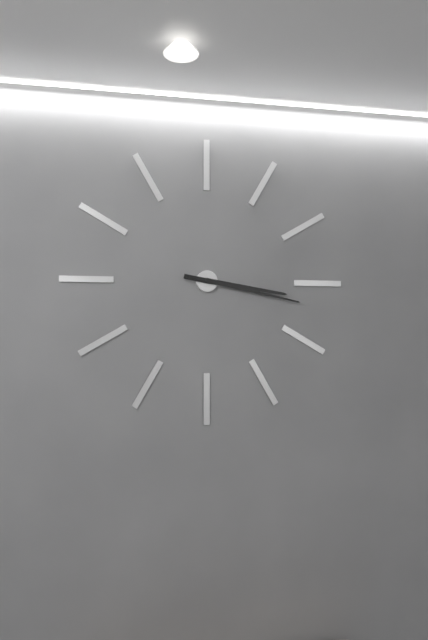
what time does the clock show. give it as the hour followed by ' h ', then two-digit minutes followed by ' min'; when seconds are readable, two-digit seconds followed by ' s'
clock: 3 h 17 min
